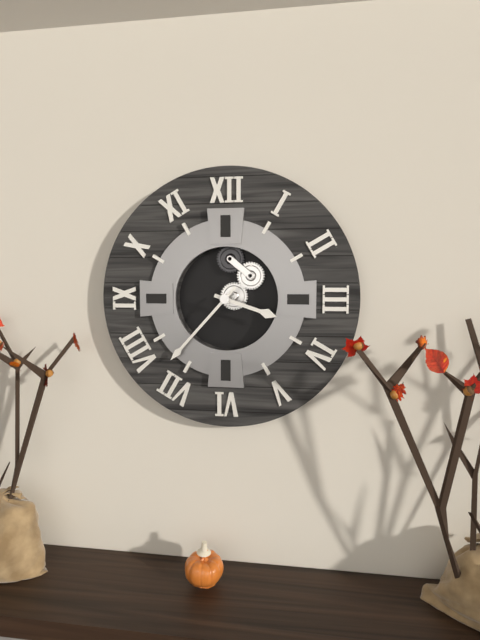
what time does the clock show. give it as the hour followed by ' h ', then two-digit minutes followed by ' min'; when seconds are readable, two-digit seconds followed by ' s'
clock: 3 h 37 min
